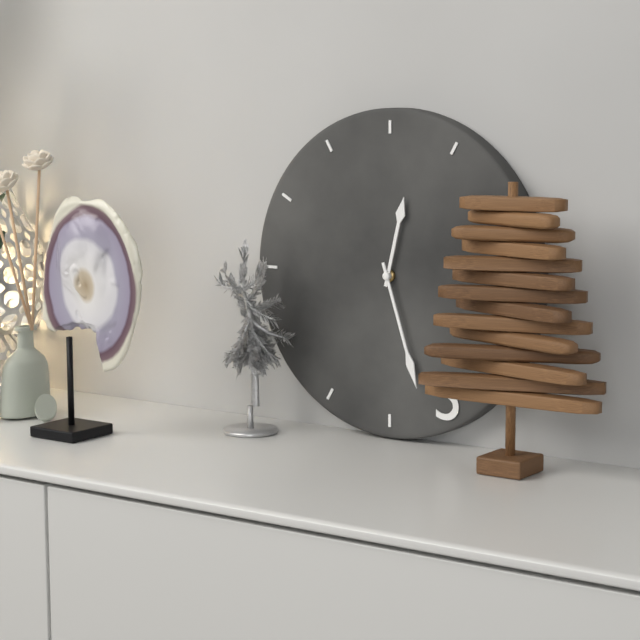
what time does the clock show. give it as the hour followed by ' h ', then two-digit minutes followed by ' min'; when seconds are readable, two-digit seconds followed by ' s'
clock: 12 h 27 min
